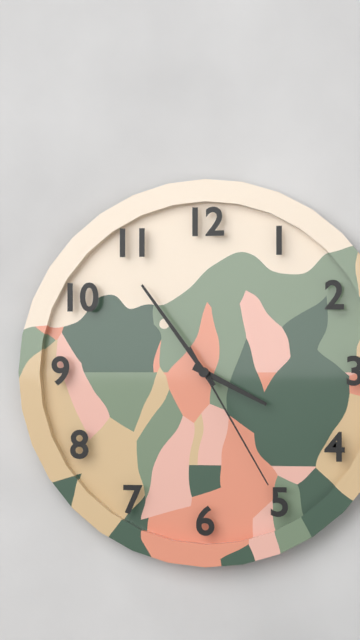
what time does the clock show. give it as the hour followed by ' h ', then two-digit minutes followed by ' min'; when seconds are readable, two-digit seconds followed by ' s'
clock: 3 h 54 min 25 s
